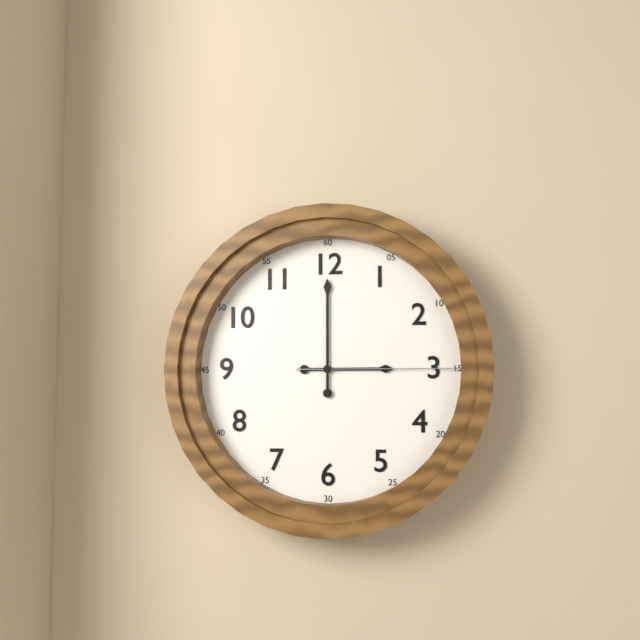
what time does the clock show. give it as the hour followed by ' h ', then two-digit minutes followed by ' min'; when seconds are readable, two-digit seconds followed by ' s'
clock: 3 h 00 min 15 s
